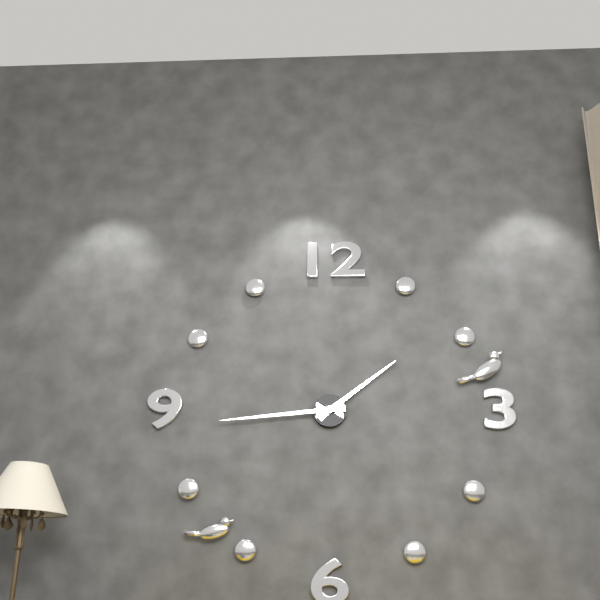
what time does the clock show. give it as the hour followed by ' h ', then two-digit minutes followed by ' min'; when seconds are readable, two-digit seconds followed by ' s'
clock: 1 h 44 min
